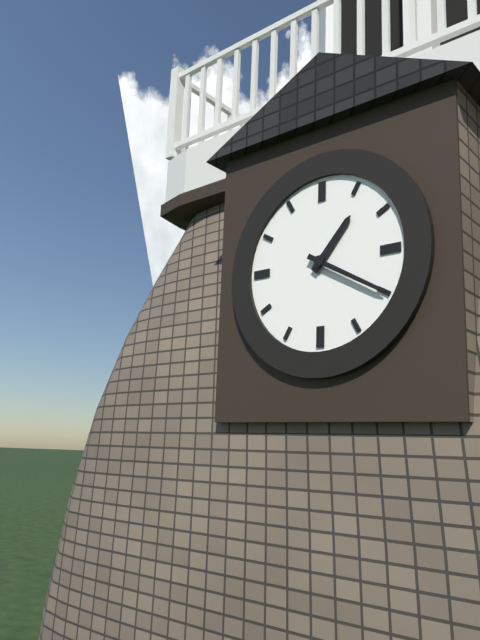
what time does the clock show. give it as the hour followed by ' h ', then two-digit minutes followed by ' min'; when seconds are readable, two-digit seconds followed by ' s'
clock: 1 h 20 min
